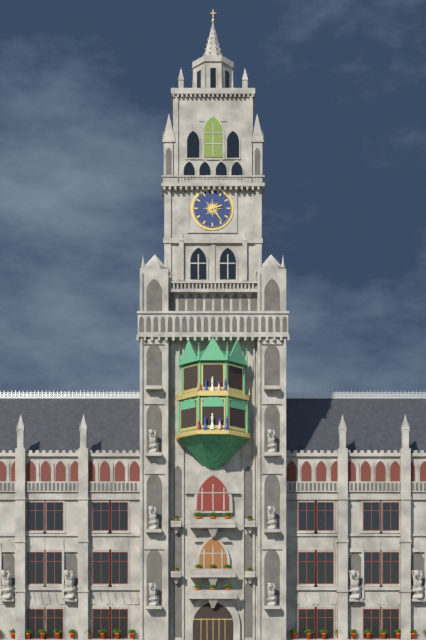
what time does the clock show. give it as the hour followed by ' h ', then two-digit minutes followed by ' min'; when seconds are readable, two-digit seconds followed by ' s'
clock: 2 h 24 min
